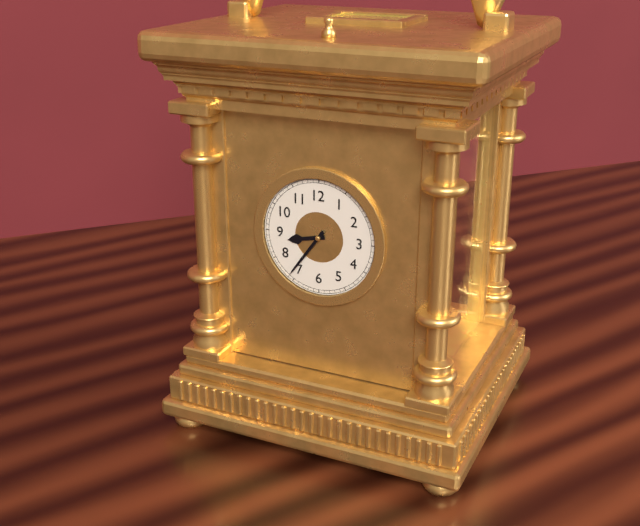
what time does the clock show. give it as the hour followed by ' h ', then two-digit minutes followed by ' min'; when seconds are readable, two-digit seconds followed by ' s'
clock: 8 h 36 min
